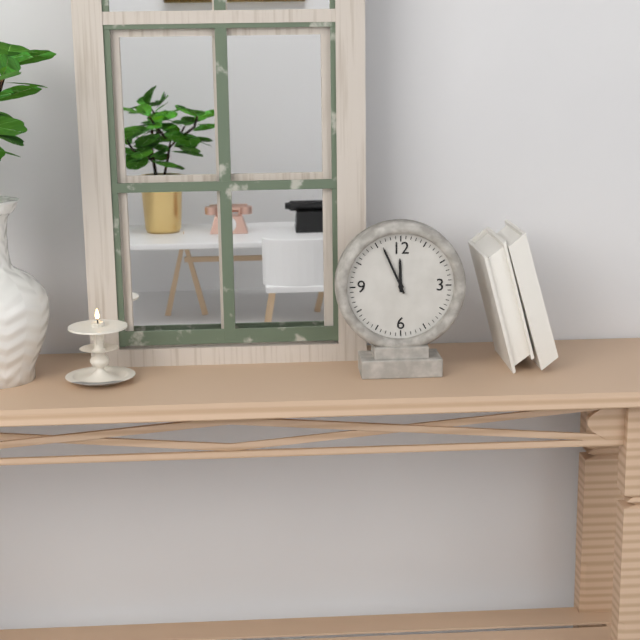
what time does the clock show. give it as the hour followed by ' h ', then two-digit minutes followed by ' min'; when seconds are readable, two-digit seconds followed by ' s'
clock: 11 h 56 min
